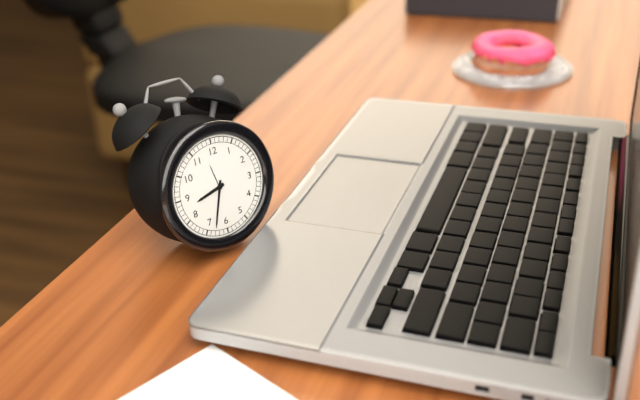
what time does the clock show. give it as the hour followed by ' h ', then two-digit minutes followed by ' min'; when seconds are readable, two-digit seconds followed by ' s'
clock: 8 h 33 min
